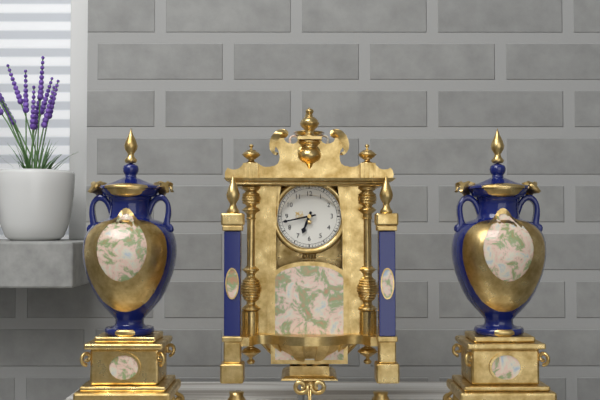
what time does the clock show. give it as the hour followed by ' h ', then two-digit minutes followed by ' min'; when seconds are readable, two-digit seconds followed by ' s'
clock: 6 h 43 min
